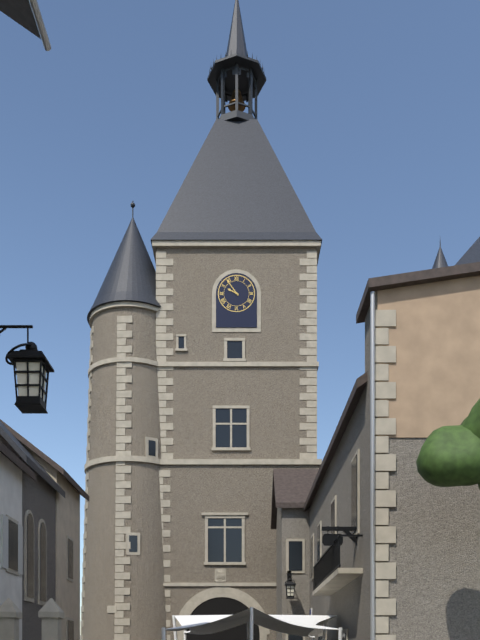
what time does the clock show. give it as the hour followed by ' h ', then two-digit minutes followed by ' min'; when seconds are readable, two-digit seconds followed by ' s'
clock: 9 h 54 min
